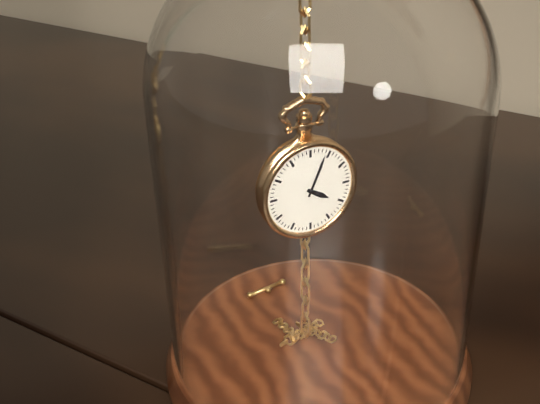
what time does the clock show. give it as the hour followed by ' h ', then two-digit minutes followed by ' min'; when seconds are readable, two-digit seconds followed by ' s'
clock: 4 h 04 min
